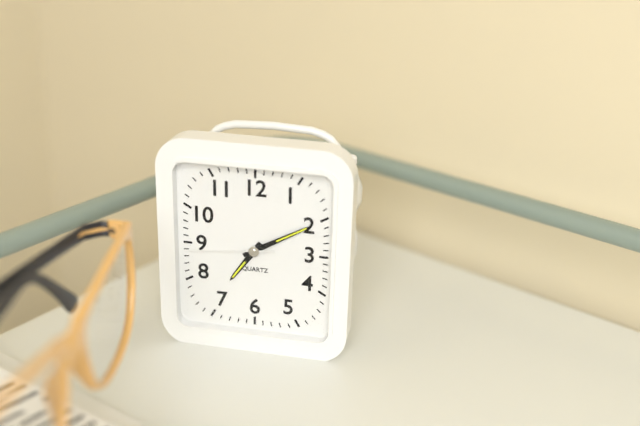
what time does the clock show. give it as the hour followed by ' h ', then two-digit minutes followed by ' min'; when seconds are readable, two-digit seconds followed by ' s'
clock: 7 h 10 min 44 s
